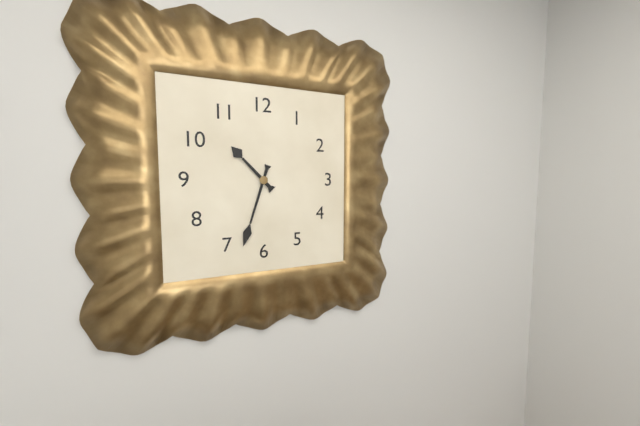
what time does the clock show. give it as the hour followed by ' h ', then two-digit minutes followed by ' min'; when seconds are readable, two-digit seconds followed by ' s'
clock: 10 h 33 min
